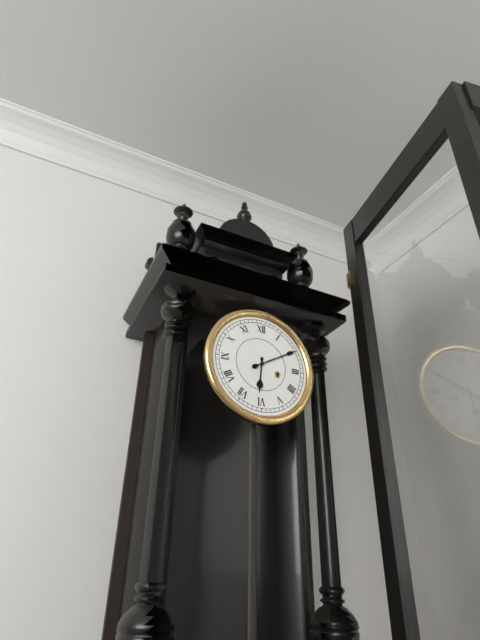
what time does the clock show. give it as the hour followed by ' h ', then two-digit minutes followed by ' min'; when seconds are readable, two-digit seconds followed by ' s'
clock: 6 h 10 min
